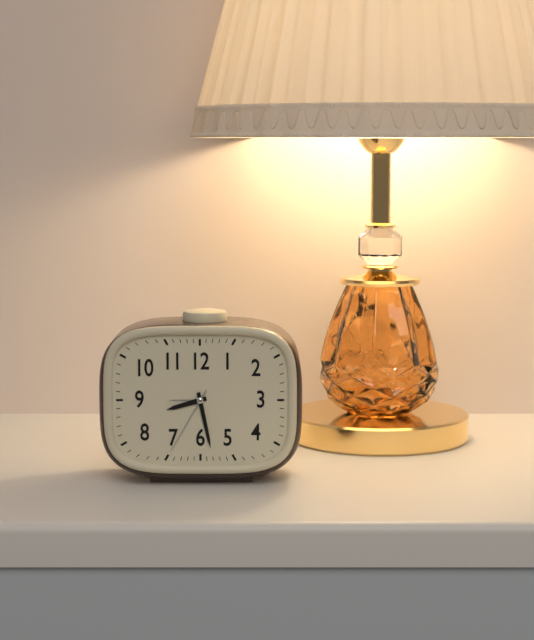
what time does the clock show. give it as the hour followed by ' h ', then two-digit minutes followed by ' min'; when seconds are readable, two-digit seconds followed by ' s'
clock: 8 h 28 min 35 s
